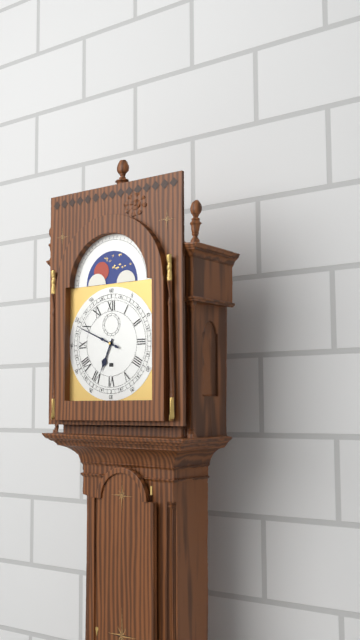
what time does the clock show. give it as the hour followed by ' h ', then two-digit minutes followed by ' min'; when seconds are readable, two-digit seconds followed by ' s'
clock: 6 h 49 min
